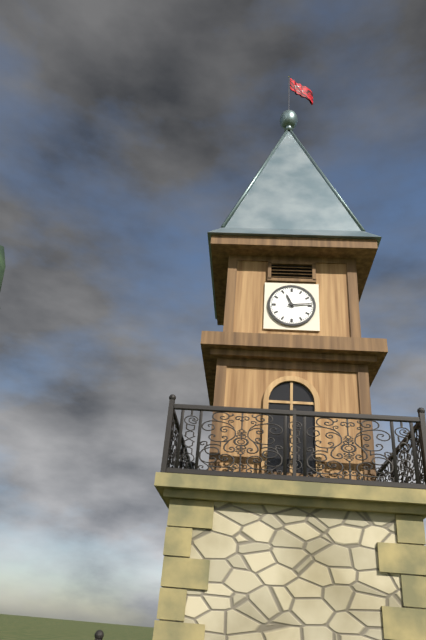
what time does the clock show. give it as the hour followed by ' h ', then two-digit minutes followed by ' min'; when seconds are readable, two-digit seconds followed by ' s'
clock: 11 h 14 min
